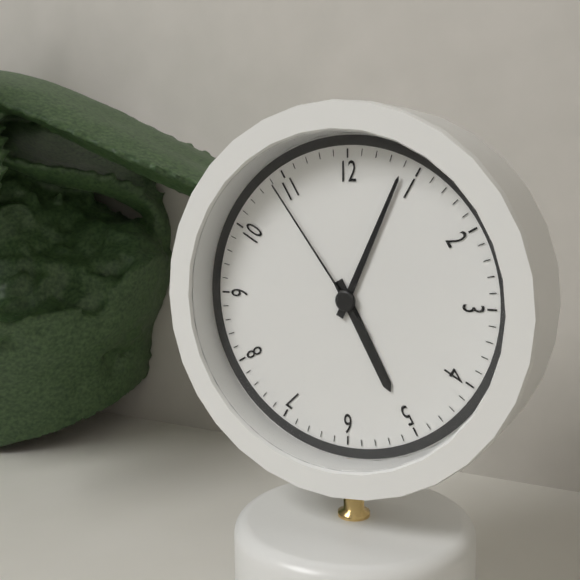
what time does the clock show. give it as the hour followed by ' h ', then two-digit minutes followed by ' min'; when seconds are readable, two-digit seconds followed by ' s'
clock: 5 h 04 min 54 s
